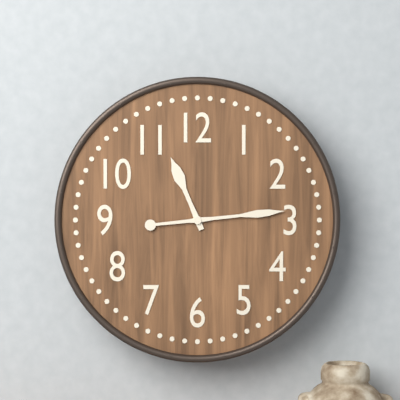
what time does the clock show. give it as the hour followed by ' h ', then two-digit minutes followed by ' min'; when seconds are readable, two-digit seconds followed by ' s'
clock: 11 h 14 min
